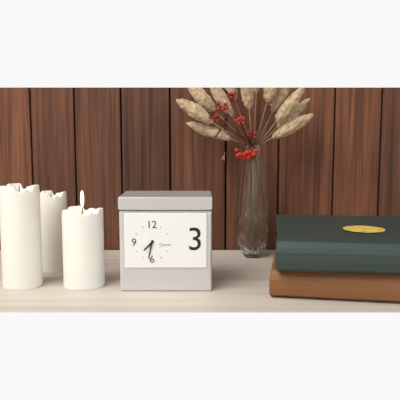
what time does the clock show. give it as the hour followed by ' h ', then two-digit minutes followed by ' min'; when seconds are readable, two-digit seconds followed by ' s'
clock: 7 h 32 min
